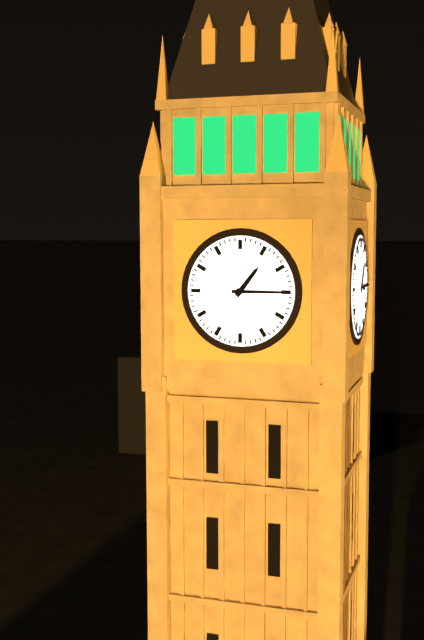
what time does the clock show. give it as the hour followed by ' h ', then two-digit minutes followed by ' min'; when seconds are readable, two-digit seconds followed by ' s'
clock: 1 h 15 min
